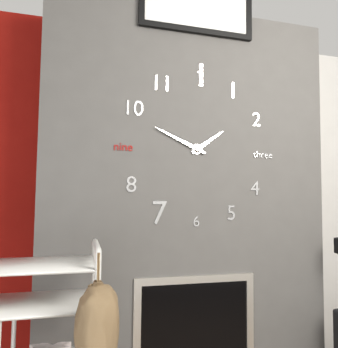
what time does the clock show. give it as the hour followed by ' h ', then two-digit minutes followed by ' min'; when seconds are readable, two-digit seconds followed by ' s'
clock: 1 h 49 min
